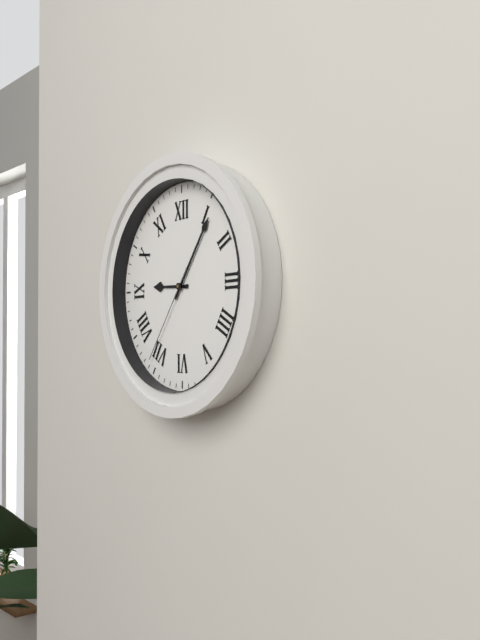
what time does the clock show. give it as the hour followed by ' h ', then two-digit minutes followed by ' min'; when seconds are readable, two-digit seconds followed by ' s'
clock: 9 h 06 min 36 s
